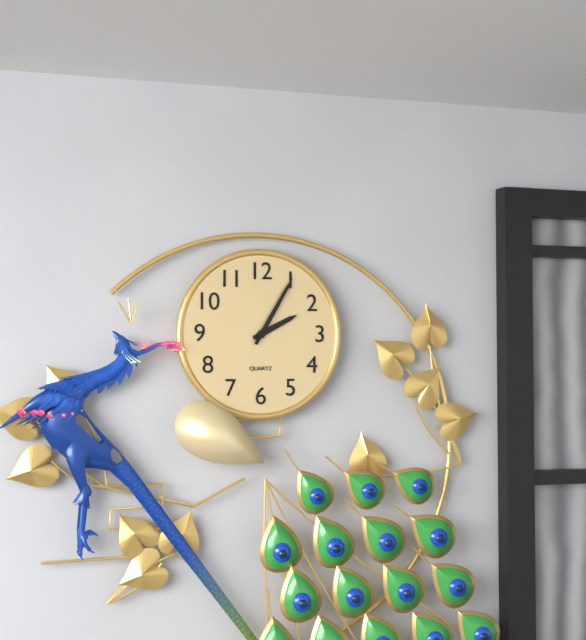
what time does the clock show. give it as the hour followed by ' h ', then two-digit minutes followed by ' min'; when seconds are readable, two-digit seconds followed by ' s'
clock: 2 h 05 min
